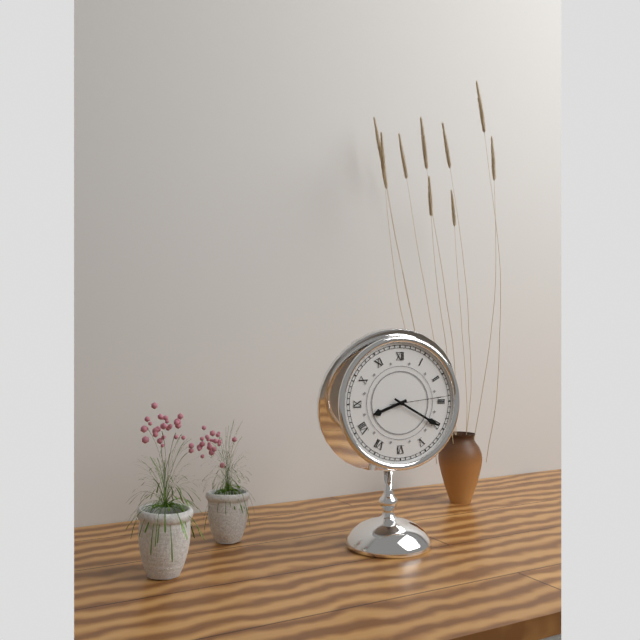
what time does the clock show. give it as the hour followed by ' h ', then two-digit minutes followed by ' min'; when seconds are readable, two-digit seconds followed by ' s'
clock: 8 h 20 min 14 s
